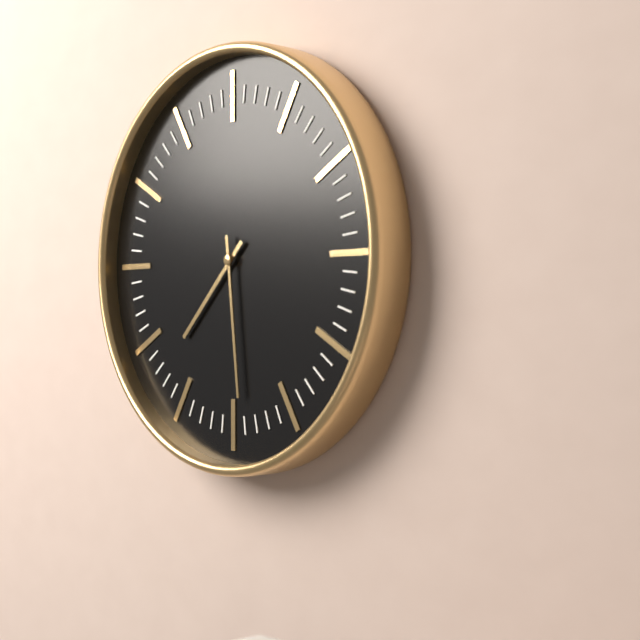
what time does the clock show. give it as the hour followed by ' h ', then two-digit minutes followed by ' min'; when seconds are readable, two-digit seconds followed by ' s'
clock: 7 h 29 min
